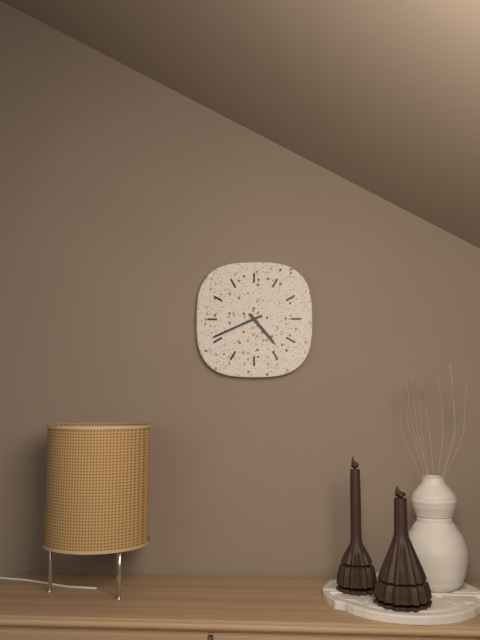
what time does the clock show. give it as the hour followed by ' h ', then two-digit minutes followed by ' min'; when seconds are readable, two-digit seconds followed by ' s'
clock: 4 h 41 min
